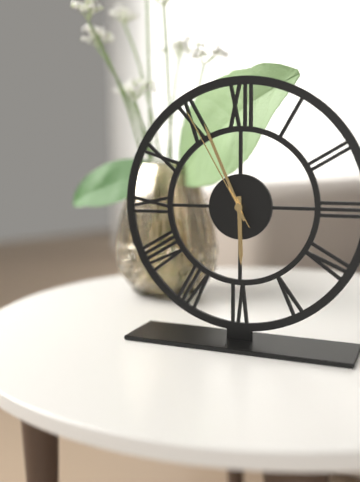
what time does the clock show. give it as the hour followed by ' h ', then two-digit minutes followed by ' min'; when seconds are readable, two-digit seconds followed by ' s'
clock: 5 h 56 min 55 s
